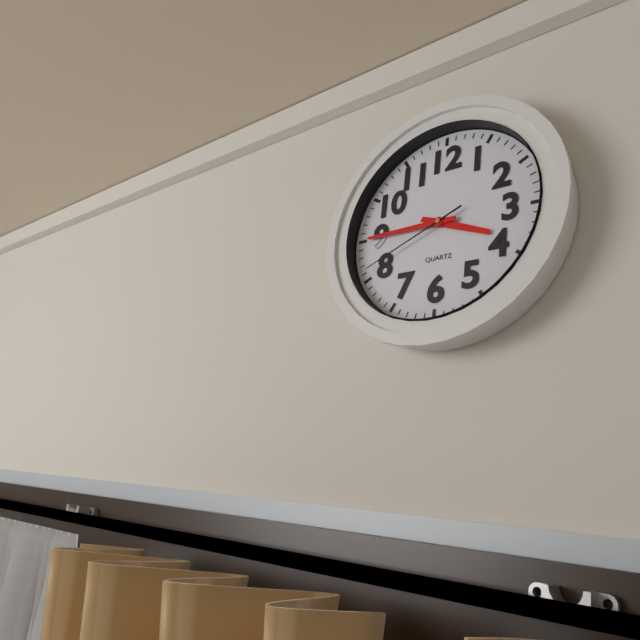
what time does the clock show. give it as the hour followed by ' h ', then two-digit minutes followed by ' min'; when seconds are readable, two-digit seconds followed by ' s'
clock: 3 h 45 min 41 s
